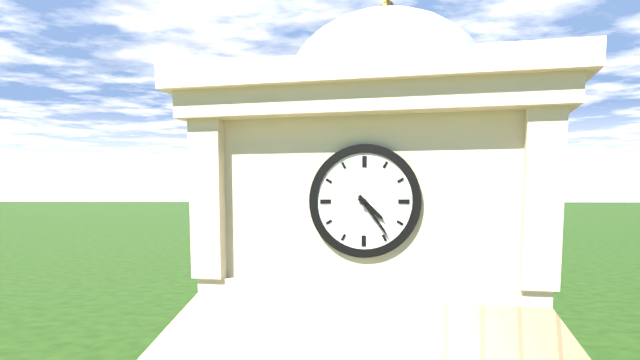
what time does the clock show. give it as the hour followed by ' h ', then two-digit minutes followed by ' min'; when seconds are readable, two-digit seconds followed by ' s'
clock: 4 h 24 min
